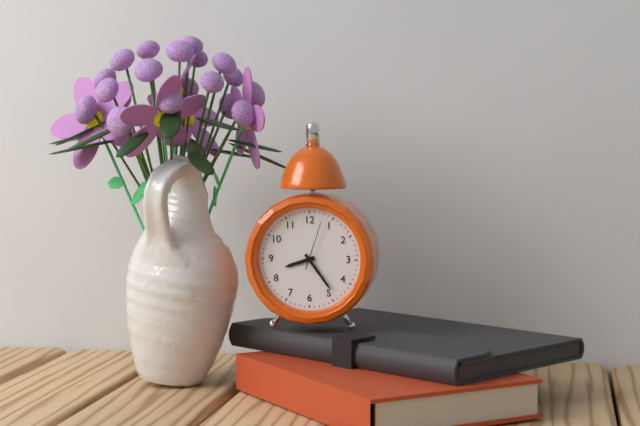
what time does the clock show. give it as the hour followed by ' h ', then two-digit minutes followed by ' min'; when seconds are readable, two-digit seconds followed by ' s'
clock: 8 h 24 min
